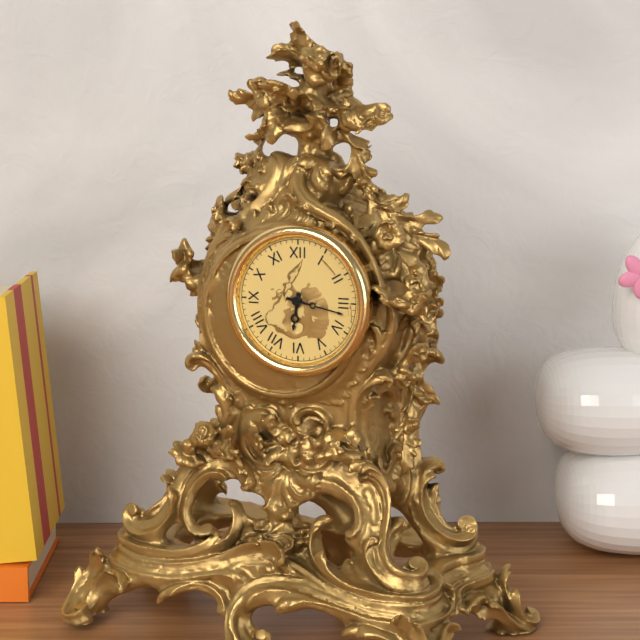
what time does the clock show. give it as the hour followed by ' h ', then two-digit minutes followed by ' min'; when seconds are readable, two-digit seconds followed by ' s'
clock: 6 h 17 min
